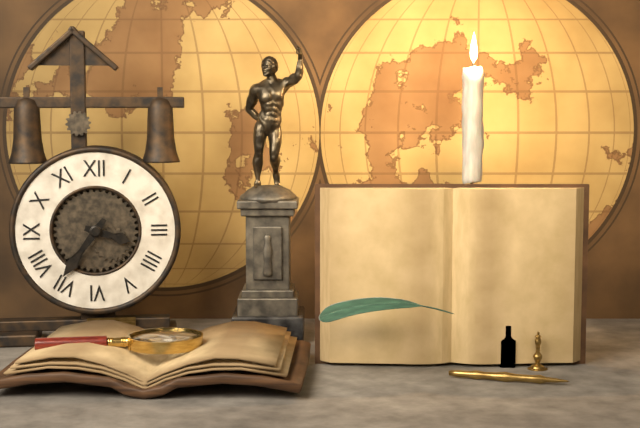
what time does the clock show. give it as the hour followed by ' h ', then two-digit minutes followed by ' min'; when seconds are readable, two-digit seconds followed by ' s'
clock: 3 h 36 min
